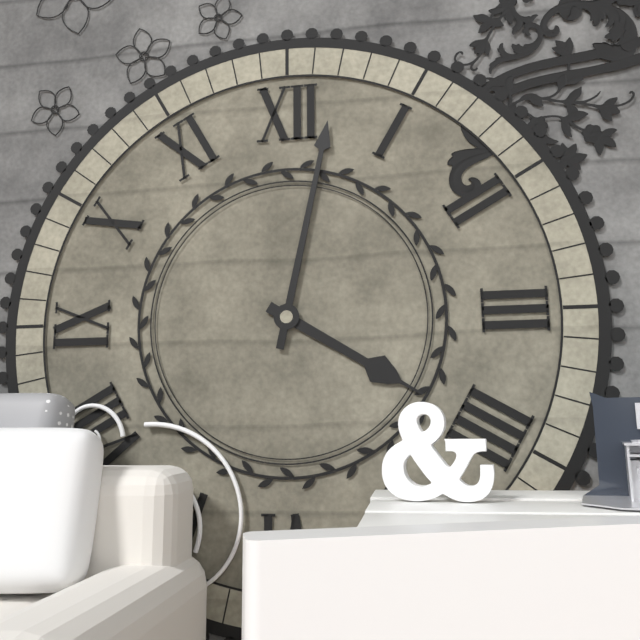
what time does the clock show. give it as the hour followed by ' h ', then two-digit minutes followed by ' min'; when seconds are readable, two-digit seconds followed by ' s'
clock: 4 h 02 min
